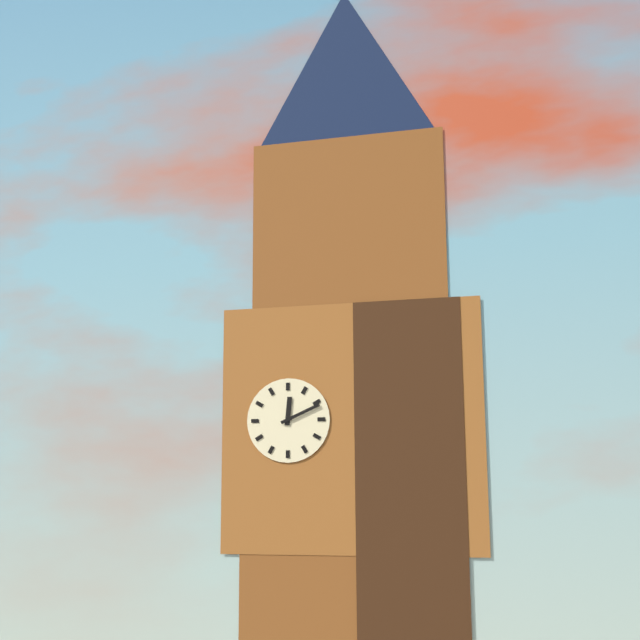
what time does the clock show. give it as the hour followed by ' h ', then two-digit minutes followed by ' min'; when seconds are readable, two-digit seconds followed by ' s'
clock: 12 h 11 min
